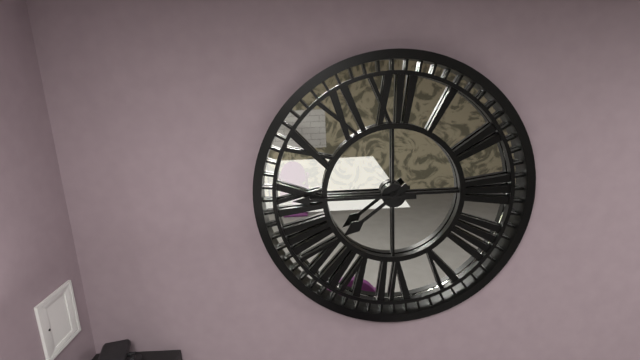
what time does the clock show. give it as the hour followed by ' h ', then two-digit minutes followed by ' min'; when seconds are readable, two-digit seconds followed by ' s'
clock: 7 h 45 min
